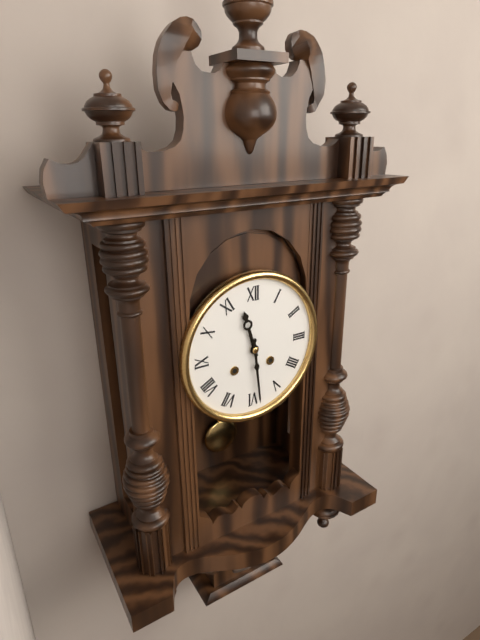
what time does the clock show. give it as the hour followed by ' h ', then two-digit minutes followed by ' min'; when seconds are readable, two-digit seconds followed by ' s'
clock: 11 h 29 min
